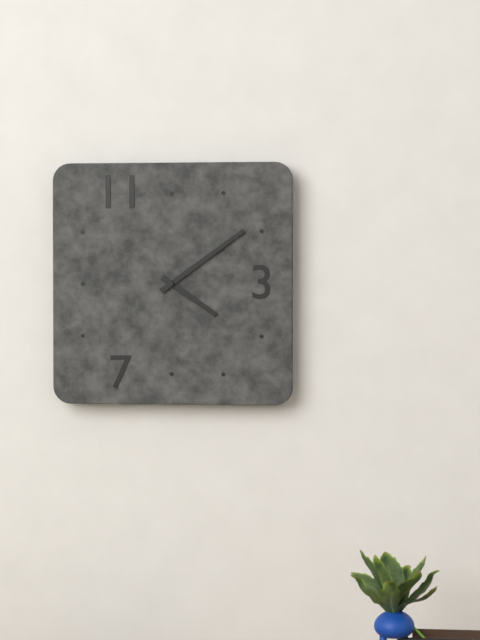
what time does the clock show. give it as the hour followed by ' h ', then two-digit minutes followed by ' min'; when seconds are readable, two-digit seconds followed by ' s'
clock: 4 h 09 min
